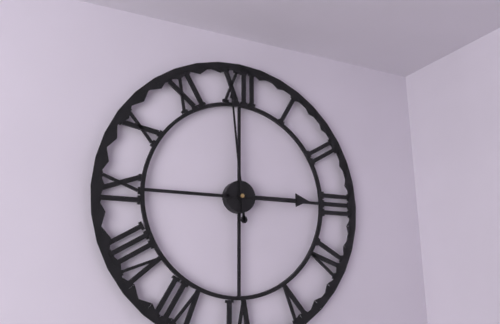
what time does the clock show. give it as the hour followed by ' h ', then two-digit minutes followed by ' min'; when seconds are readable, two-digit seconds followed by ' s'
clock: 2 h 59 min
